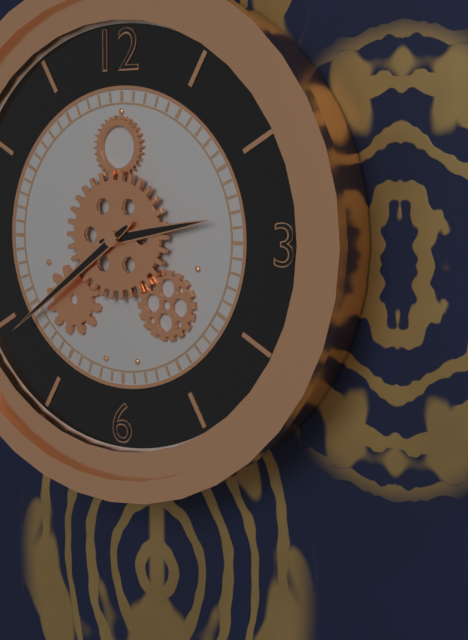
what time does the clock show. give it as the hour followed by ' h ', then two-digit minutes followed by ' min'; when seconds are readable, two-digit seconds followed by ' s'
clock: 2 h 39 min
